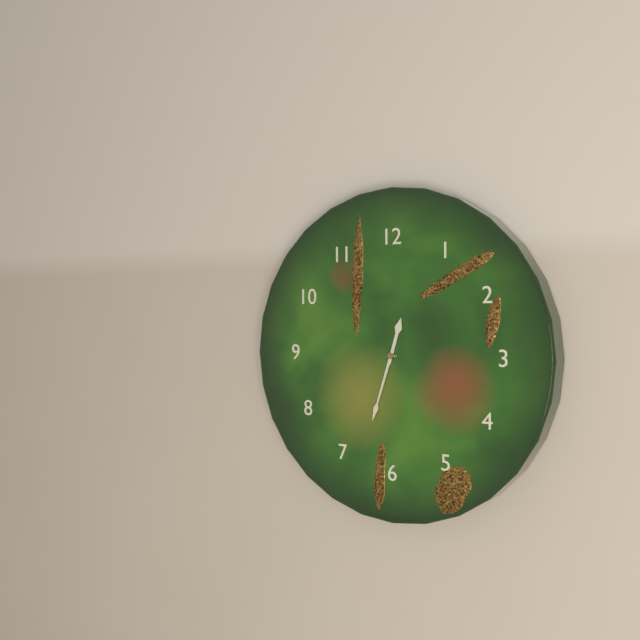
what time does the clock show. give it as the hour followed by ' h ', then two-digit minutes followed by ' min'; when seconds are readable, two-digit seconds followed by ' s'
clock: 12 h 33 min
